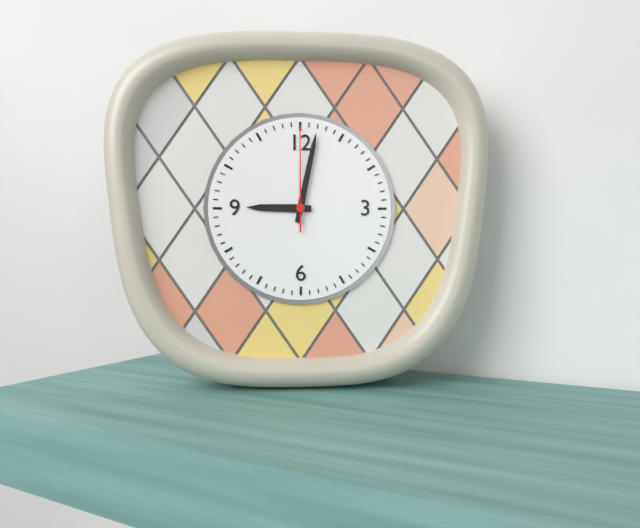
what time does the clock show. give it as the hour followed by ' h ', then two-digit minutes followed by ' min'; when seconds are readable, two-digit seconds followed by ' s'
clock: 9 h 02 min 00 s
